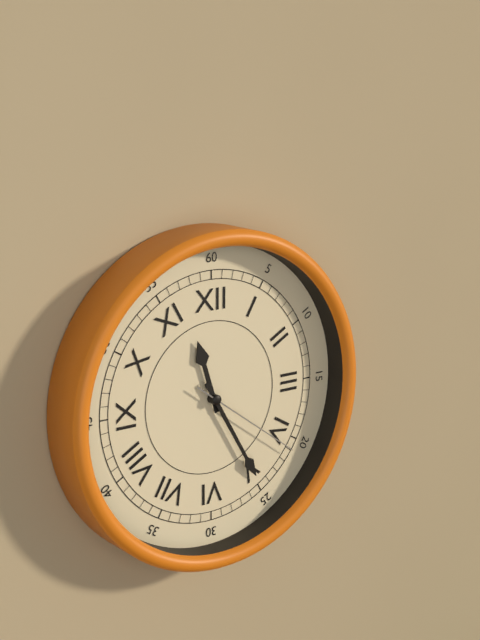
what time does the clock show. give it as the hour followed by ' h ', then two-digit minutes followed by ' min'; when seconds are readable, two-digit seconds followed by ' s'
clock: 11 h 25 min 21 s
